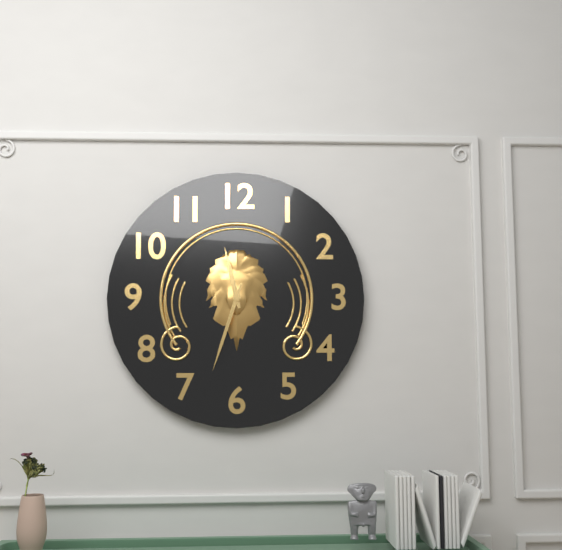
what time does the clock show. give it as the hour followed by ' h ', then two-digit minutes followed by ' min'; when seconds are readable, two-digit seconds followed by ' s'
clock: 11 h 33 min
